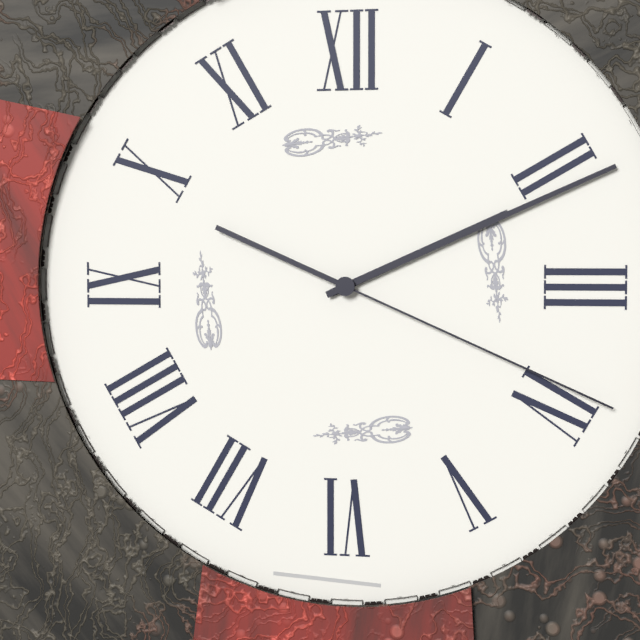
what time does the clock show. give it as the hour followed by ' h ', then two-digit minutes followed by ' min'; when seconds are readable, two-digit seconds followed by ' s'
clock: 2 h 11 min 19 s
